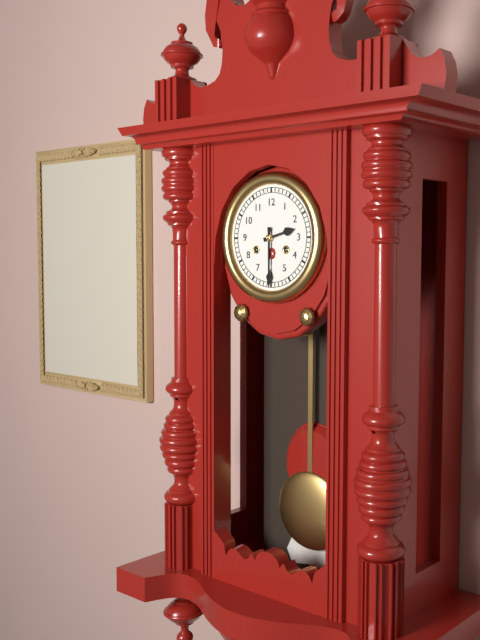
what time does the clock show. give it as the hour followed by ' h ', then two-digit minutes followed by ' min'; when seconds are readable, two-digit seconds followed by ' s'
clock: 2 h 30 min
